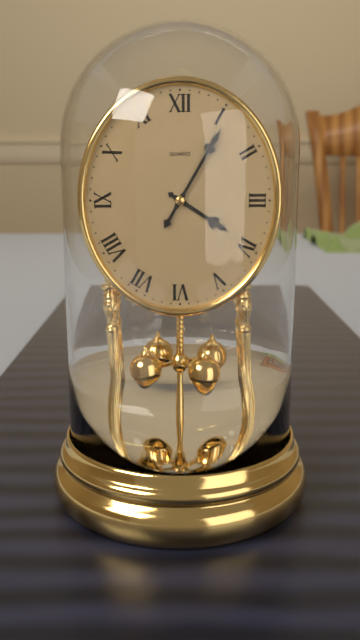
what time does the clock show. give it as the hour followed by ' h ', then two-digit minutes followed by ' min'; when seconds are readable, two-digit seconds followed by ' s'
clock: 4 h 05 min
